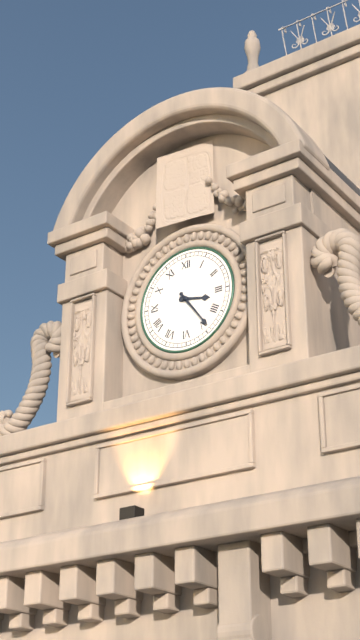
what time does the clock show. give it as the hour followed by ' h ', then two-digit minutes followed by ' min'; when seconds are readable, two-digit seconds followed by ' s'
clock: 3 h 24 min
